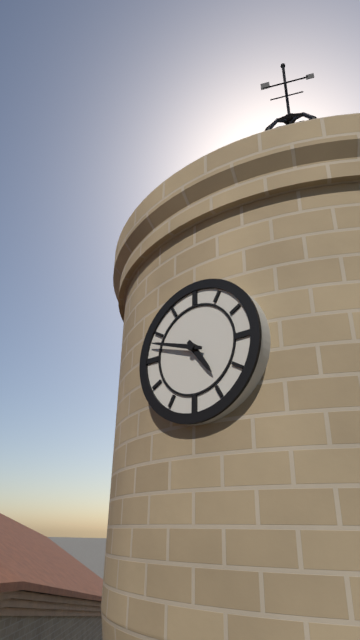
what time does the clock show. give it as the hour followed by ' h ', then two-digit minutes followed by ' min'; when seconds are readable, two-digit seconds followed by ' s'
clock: 4 h 48 min
